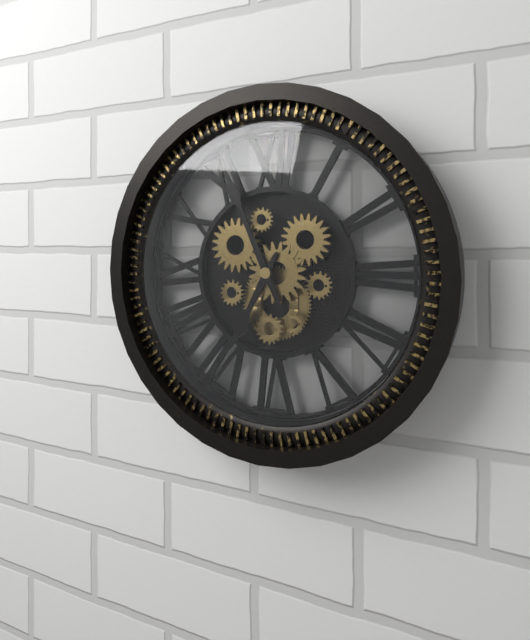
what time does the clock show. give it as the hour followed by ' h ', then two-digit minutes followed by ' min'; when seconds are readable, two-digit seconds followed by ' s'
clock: 6 h 56 min
